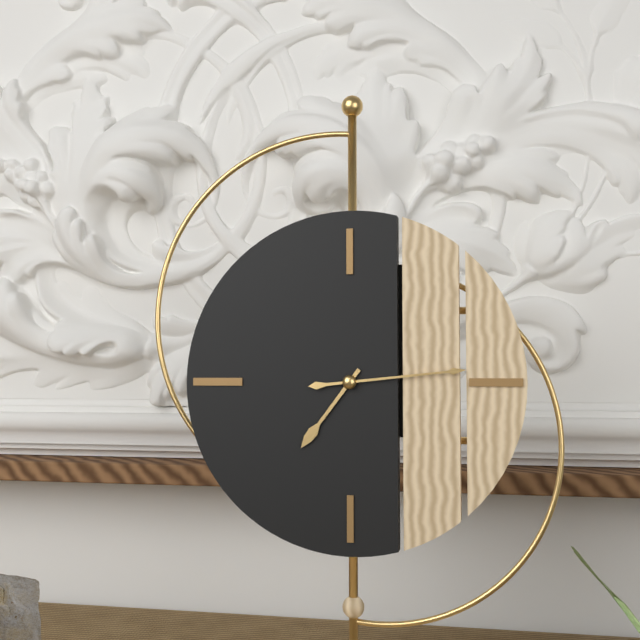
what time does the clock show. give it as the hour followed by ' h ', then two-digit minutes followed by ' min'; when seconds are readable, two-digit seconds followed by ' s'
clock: 7 h 14 min
